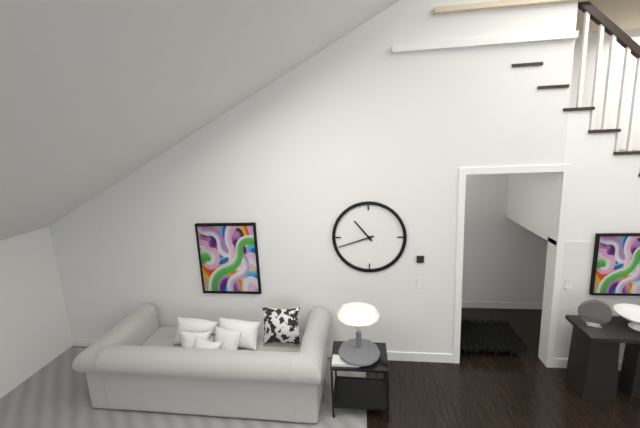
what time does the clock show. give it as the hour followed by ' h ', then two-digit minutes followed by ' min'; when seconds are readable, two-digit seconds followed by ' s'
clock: 10 h 42 min
